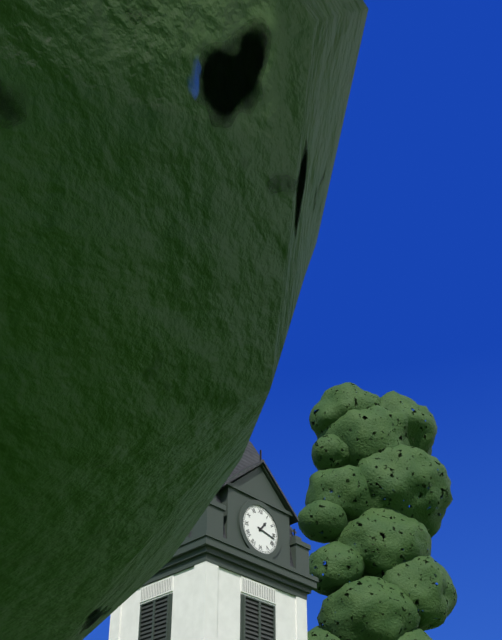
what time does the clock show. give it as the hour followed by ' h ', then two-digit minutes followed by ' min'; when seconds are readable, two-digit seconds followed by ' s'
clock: 1 h 17 min
